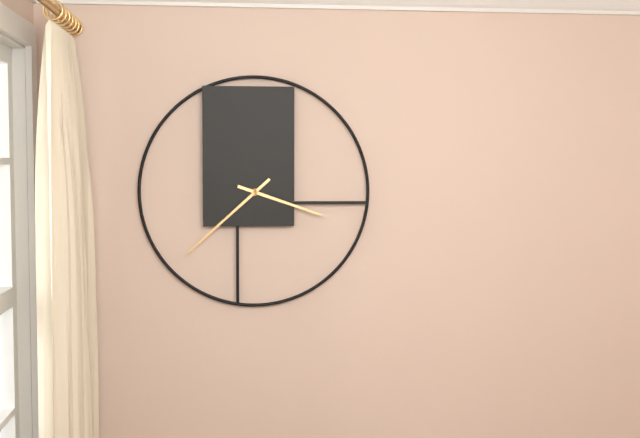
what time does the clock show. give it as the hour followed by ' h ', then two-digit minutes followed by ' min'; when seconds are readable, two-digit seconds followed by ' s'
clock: 3 h 38 min
